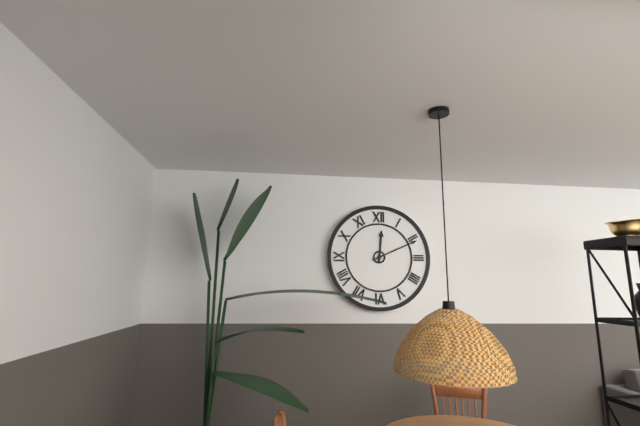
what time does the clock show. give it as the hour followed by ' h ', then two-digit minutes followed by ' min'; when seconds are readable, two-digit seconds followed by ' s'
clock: 12 h 11 min
